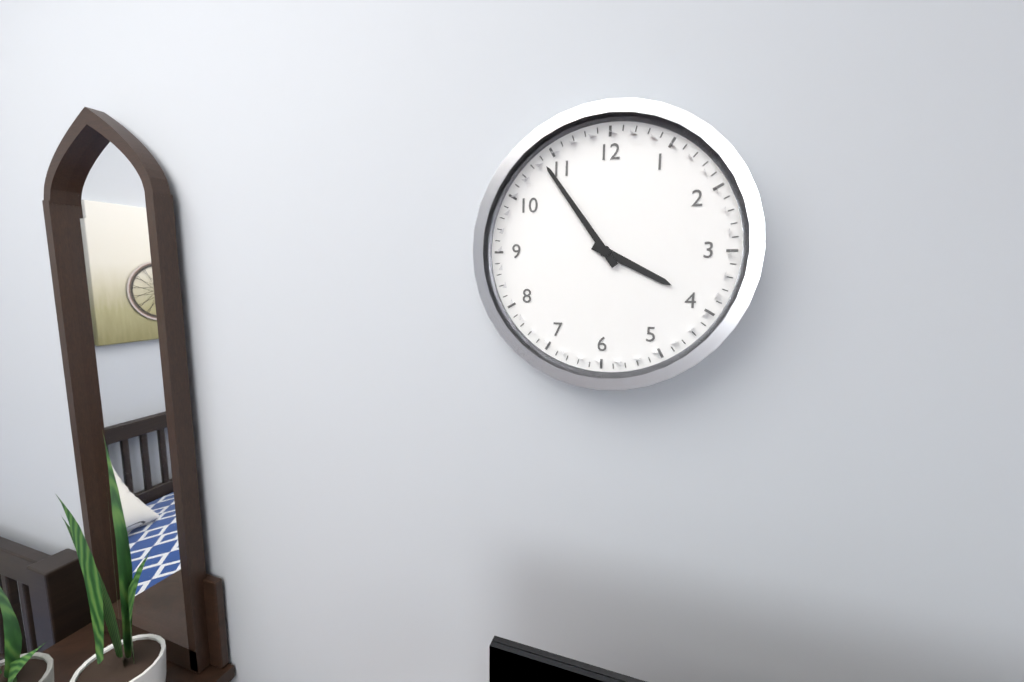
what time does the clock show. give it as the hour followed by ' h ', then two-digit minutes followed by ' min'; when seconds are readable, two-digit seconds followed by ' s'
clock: 3 h 54 min
